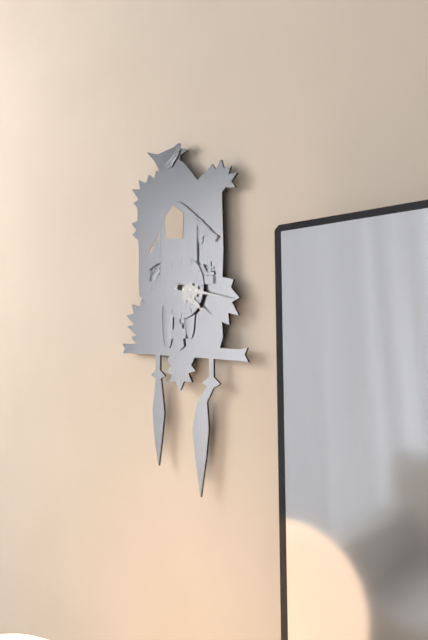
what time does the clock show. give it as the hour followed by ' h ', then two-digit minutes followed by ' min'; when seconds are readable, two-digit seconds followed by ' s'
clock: 4 h 17 min
